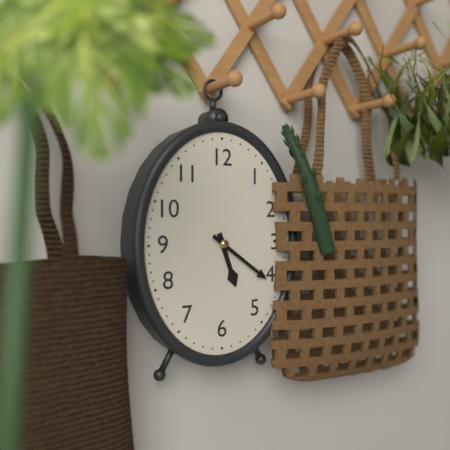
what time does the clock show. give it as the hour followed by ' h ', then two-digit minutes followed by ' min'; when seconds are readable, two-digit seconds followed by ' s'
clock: 5 h 21 min
